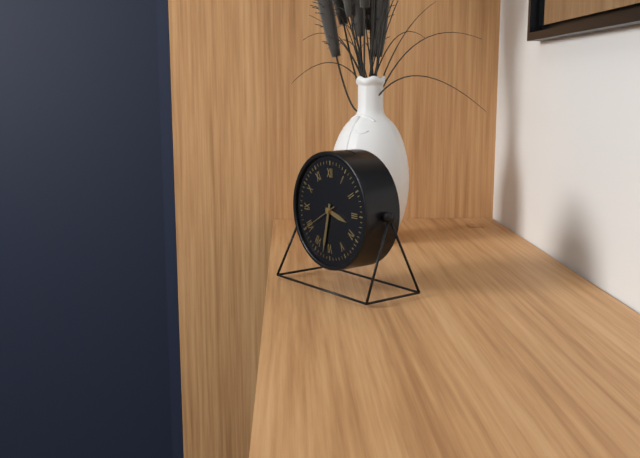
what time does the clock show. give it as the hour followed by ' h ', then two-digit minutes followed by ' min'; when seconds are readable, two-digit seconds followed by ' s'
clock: 3 h 32 min
